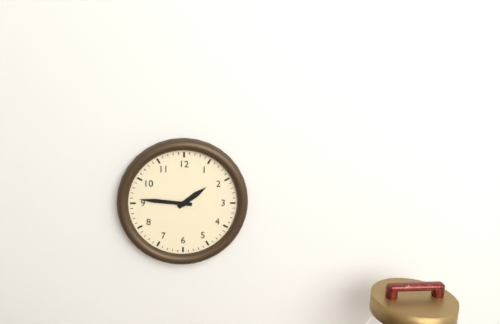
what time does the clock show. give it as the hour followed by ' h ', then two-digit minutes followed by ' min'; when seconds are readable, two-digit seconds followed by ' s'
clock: 1 h 46 min
